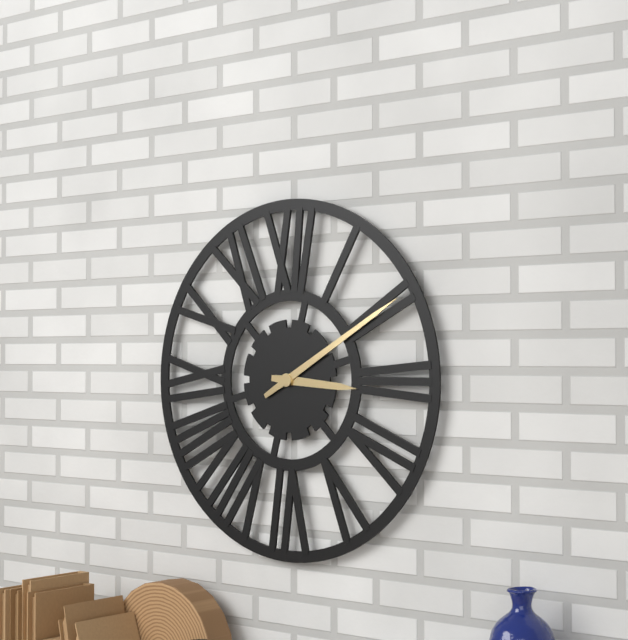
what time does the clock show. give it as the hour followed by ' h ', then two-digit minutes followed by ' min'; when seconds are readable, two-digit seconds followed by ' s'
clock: 3 h 10 min
